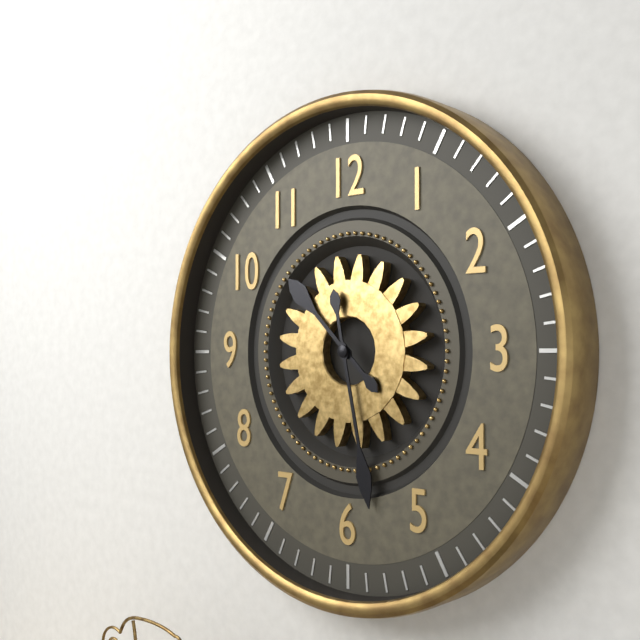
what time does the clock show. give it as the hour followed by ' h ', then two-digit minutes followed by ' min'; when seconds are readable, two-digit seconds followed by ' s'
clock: 10 h 28 min
